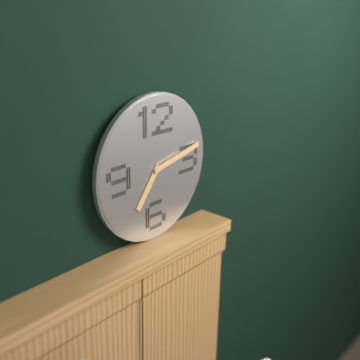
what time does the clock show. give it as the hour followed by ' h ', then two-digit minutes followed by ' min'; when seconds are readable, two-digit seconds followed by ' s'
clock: 7 h 13 min
